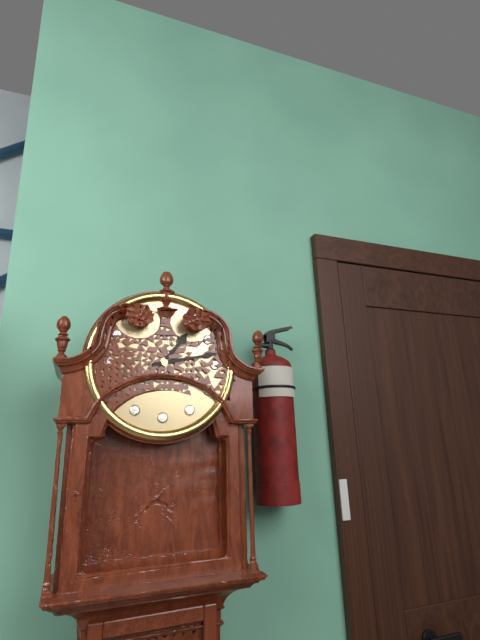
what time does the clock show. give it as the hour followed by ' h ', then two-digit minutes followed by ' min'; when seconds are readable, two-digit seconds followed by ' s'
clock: 1 h 13 min
